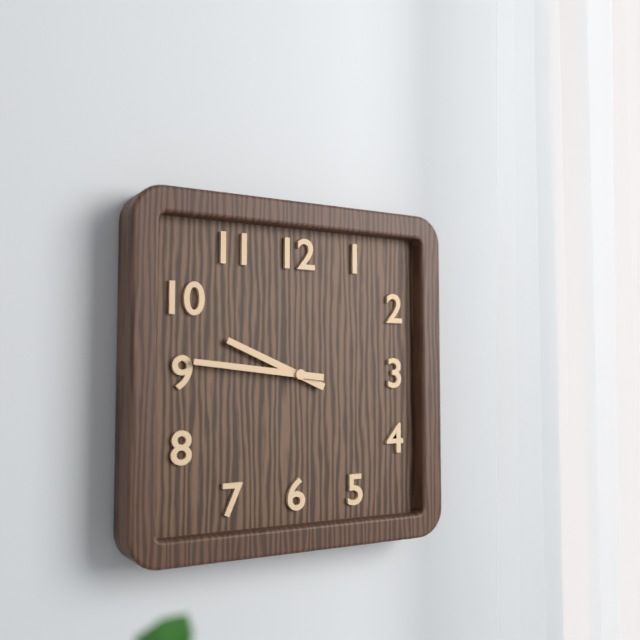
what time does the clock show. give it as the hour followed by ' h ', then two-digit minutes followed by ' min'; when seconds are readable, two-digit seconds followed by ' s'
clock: 9 h 46 min
